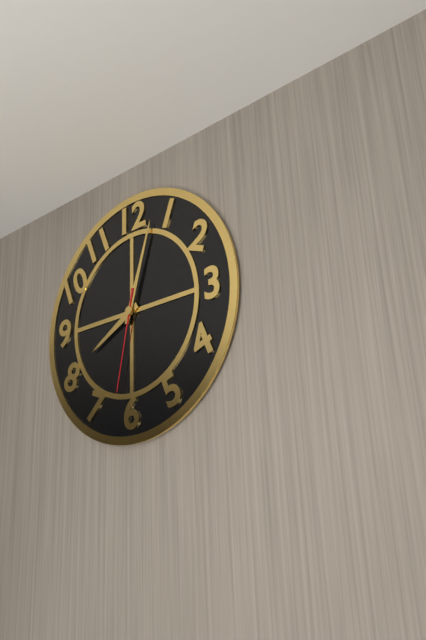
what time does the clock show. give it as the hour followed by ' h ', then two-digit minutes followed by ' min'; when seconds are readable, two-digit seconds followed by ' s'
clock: 8 h 03 min 32 s
